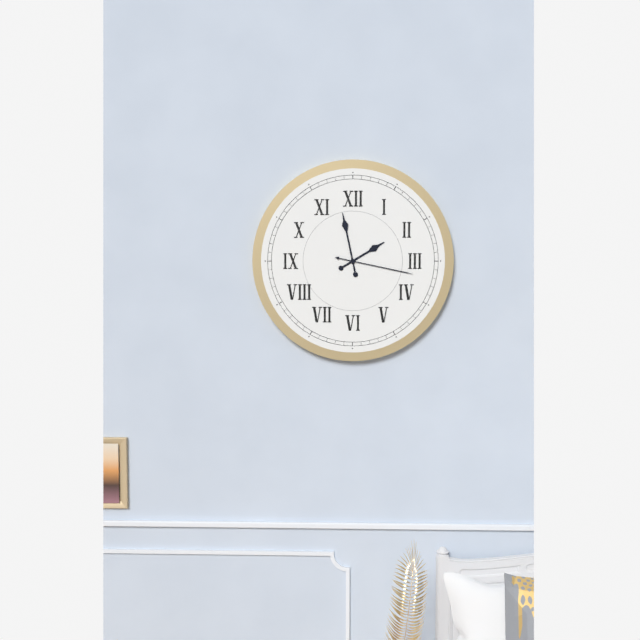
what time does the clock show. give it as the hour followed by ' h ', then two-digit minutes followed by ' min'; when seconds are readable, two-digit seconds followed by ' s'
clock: 1 h 58 min 17 s
